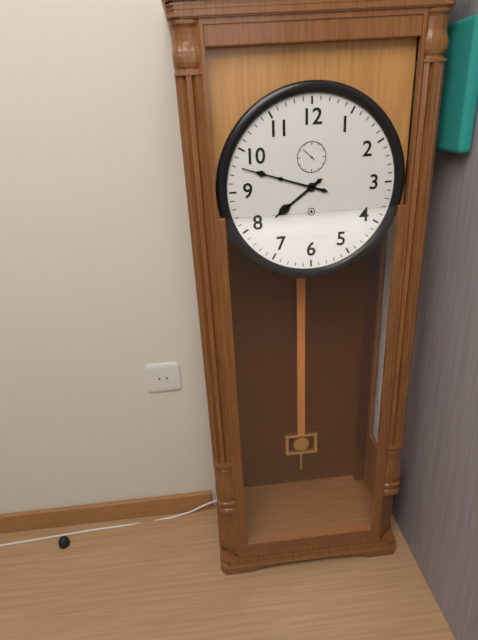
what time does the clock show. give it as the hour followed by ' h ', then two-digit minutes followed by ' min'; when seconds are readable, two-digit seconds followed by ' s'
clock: 7 h 48 min
